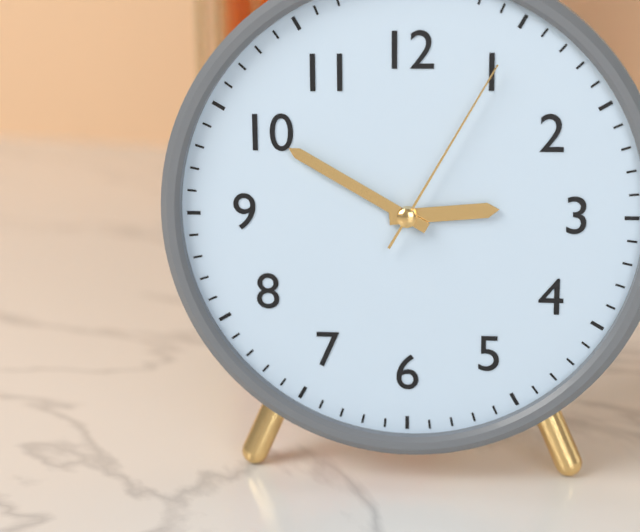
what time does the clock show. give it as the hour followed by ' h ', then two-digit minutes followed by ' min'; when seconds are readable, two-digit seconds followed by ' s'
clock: 2 h 50 min 05 s
